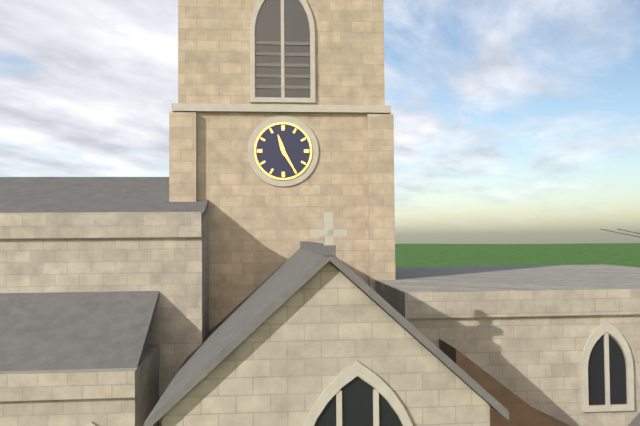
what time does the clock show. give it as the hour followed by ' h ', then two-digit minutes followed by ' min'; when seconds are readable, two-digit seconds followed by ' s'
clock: 11 h 25 min
